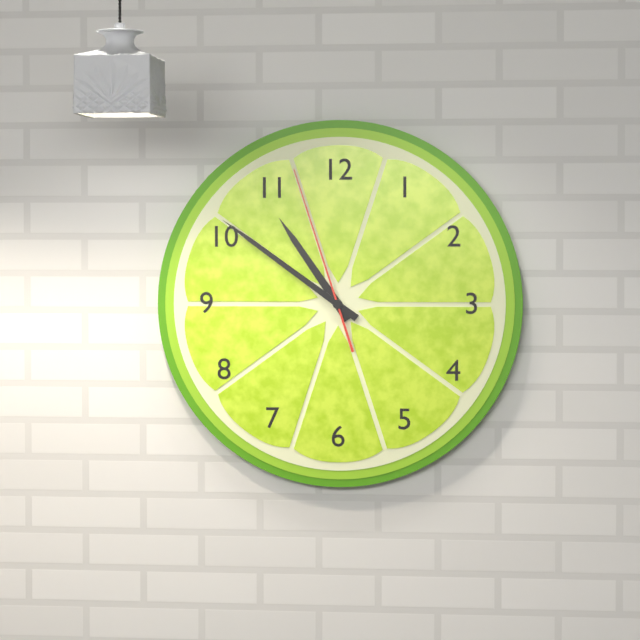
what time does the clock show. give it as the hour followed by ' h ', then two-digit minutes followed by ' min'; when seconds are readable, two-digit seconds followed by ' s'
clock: 10 h 51 min 57 s
